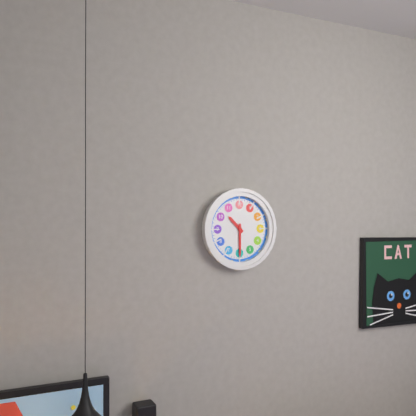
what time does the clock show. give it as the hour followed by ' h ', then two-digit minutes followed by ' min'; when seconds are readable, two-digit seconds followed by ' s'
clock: 10 h 30 min
